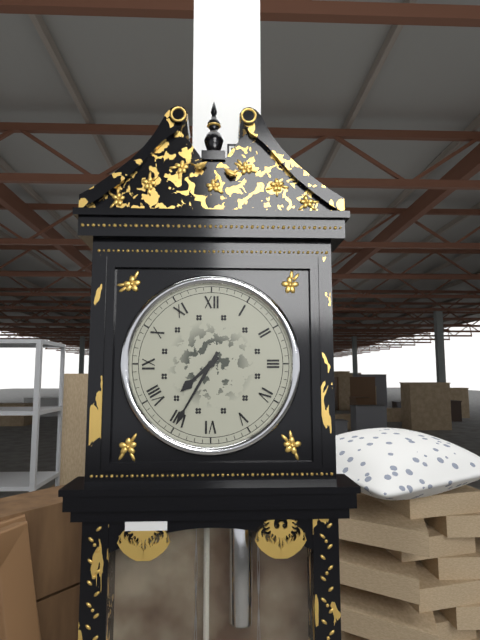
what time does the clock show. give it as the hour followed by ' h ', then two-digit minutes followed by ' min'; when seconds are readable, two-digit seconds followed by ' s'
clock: 7 h 35 min
